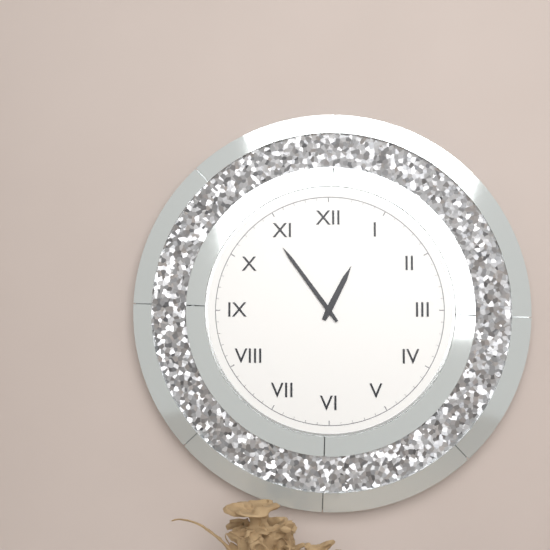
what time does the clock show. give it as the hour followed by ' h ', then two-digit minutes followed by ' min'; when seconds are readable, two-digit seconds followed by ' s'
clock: 12 h 54 min
